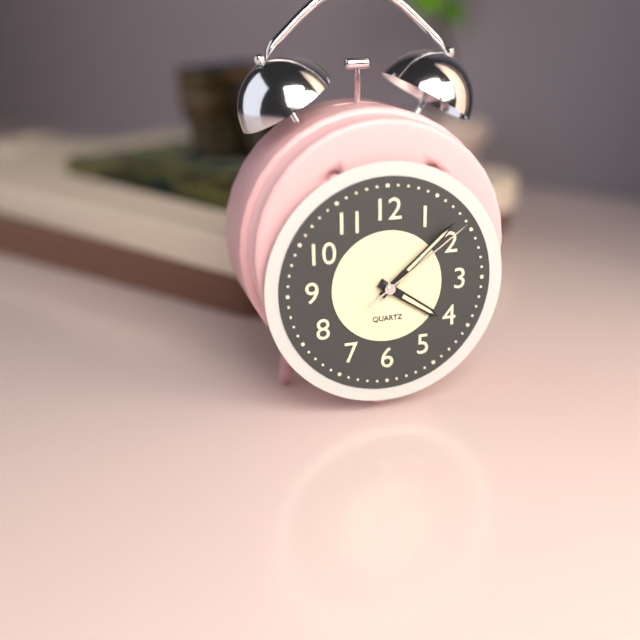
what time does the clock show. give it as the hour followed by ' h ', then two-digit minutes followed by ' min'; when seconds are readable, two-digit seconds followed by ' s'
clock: 4 h 08 min 09 s
